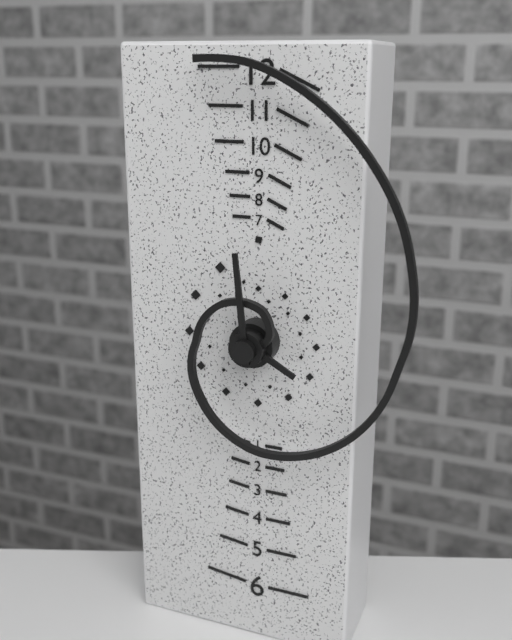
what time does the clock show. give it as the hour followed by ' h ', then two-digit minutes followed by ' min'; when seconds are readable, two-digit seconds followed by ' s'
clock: 3 h 59 min
